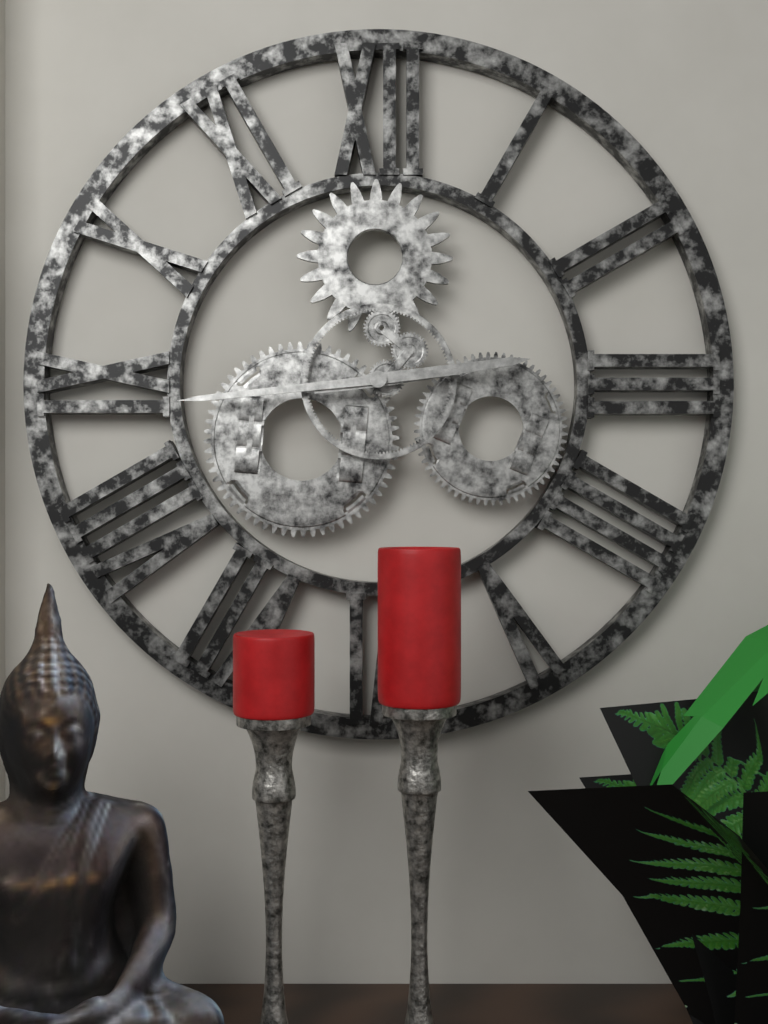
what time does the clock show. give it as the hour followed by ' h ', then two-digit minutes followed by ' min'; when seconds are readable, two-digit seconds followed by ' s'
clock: 2 h 44 min
